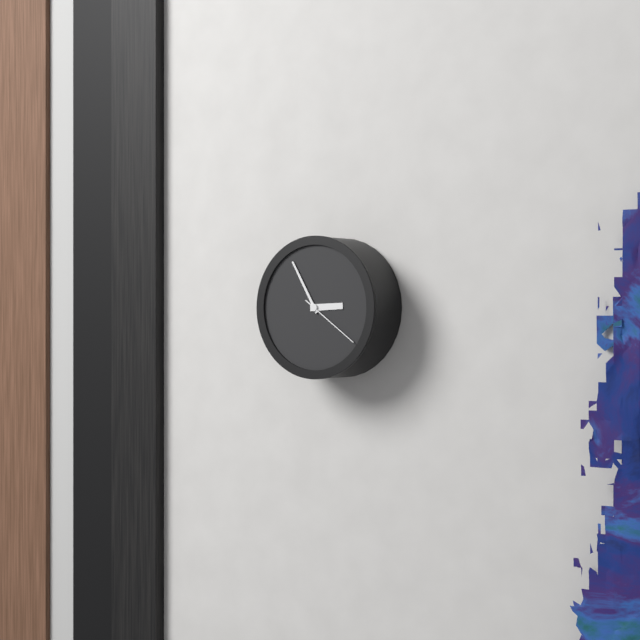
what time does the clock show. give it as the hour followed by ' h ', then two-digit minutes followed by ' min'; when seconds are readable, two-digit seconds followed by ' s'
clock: 2 h 55 min 21 s
